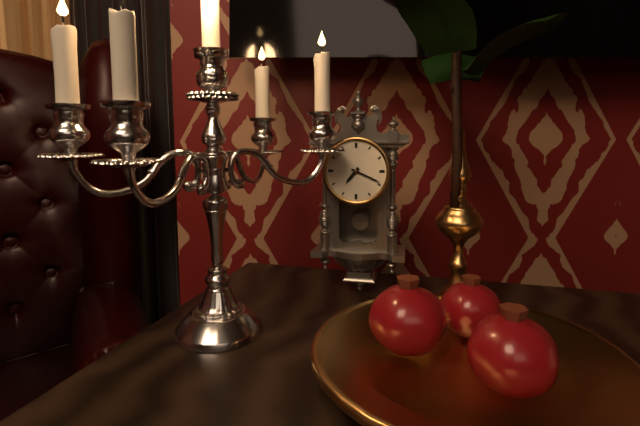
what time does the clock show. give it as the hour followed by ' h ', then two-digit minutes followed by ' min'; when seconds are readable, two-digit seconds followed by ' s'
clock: 7 h 19 min
